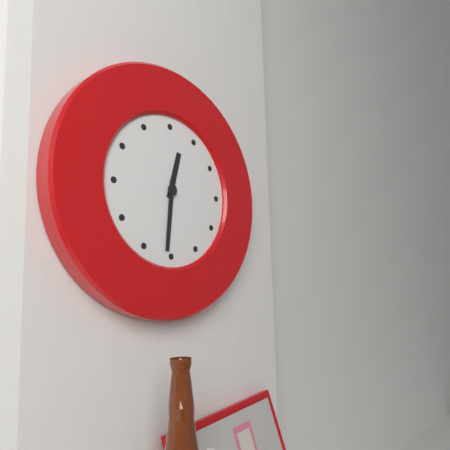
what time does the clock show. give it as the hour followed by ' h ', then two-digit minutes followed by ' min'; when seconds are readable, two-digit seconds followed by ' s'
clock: 12 h 31 min
